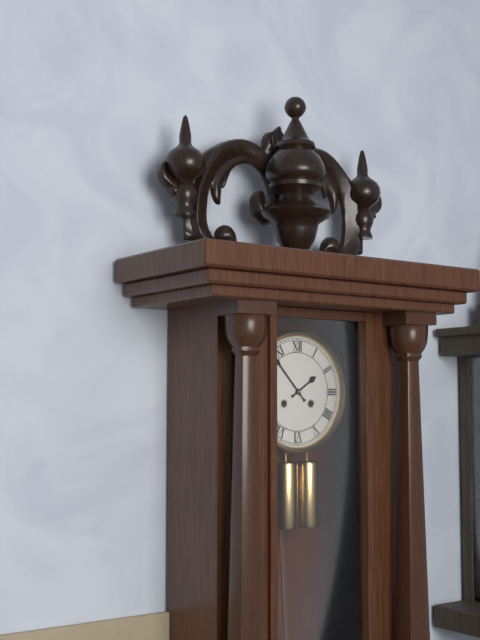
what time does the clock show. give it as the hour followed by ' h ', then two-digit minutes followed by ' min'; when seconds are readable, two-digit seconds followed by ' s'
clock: 1 h 53 min
